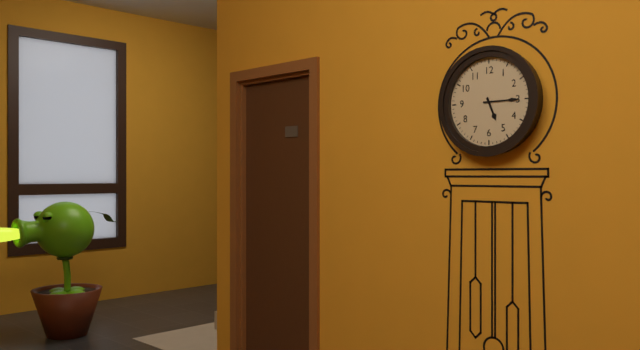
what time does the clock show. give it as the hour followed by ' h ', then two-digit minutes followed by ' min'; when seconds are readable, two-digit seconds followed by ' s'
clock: 5 h 15 min
